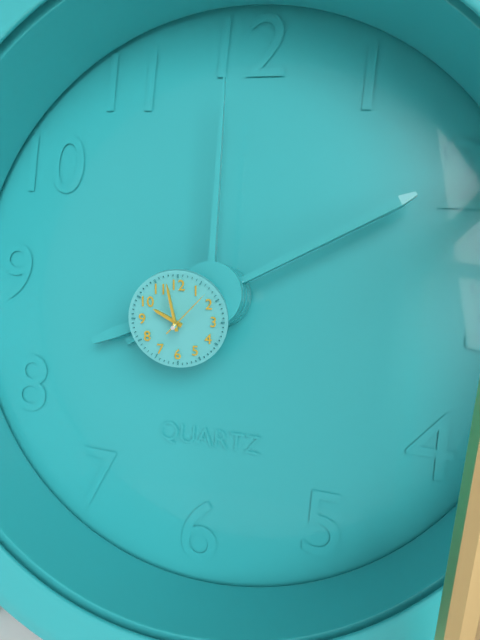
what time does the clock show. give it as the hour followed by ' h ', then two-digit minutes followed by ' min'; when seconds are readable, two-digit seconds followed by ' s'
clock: 9 h 58 min
